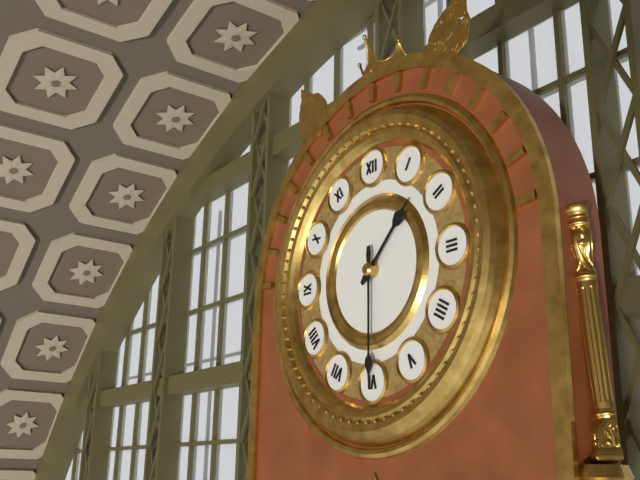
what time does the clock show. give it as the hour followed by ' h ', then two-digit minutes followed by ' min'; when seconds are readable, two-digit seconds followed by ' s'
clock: 1 h 30 min
